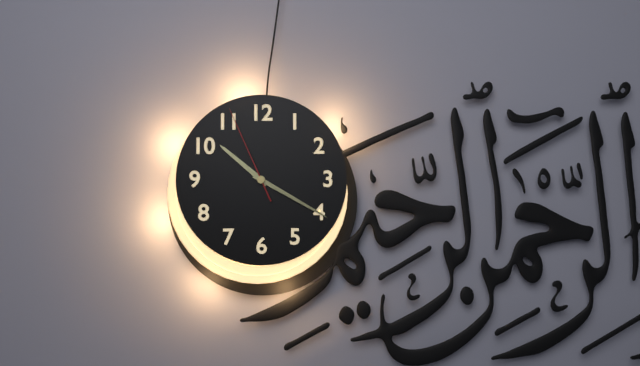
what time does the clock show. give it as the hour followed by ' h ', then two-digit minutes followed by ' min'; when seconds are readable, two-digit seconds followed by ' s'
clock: 10 h 20 min 56 s
